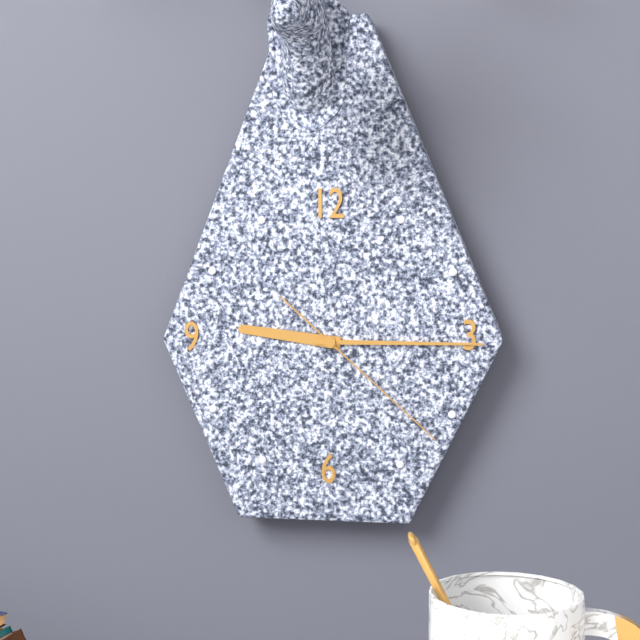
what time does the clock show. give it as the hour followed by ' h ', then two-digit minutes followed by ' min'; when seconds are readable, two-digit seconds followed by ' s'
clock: 9 h 15 min 22 s
